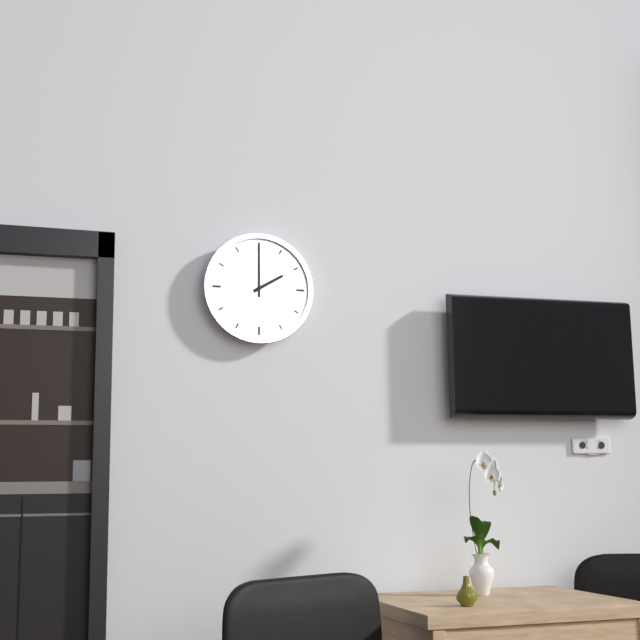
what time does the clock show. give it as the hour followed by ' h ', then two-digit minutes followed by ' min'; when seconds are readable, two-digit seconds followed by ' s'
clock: 2 h 00 min
